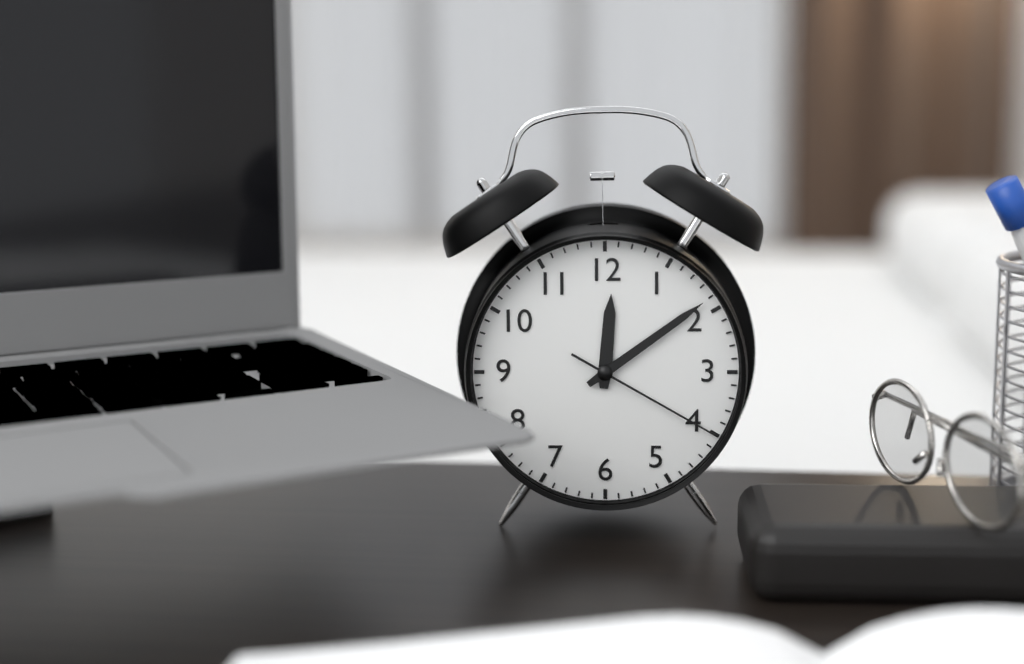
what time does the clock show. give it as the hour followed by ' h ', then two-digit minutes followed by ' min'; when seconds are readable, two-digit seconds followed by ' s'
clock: 12 h 09 min 20 s
